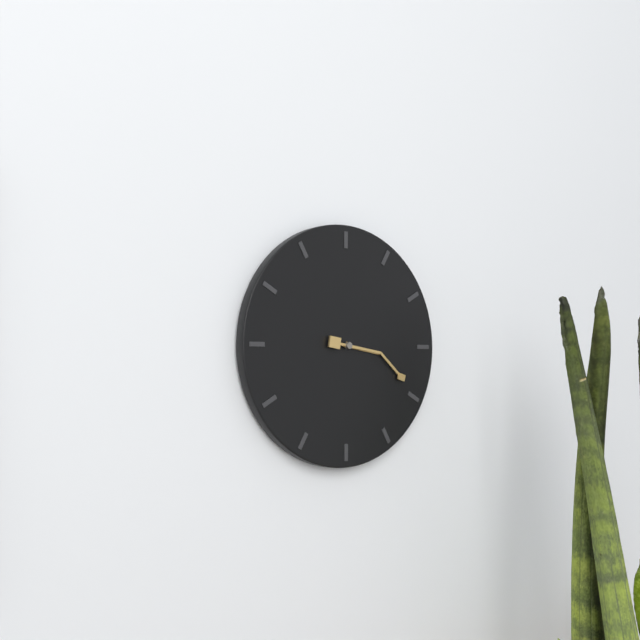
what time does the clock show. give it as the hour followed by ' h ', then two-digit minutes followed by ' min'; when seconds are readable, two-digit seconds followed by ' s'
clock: 3 h 19 min
